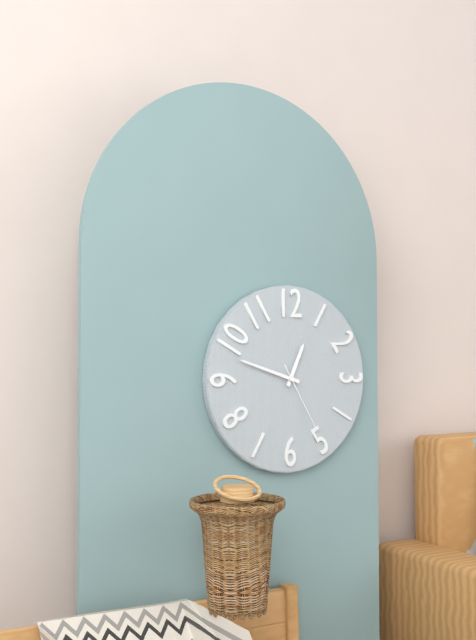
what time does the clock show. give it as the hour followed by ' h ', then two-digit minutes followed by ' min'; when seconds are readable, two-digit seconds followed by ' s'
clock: 12 h 48 min 25 s
